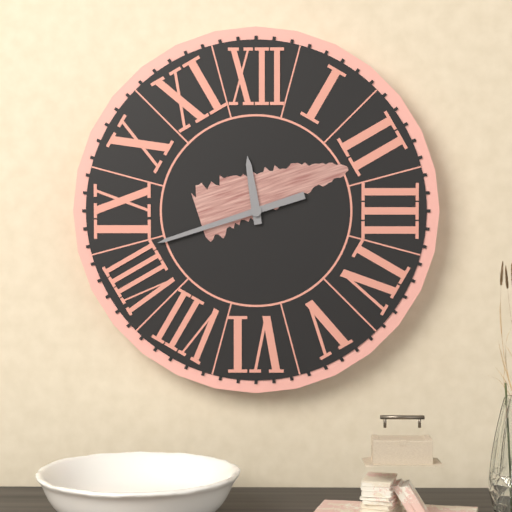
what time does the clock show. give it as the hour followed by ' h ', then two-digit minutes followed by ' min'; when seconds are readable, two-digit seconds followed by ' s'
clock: 11 h 42 min
